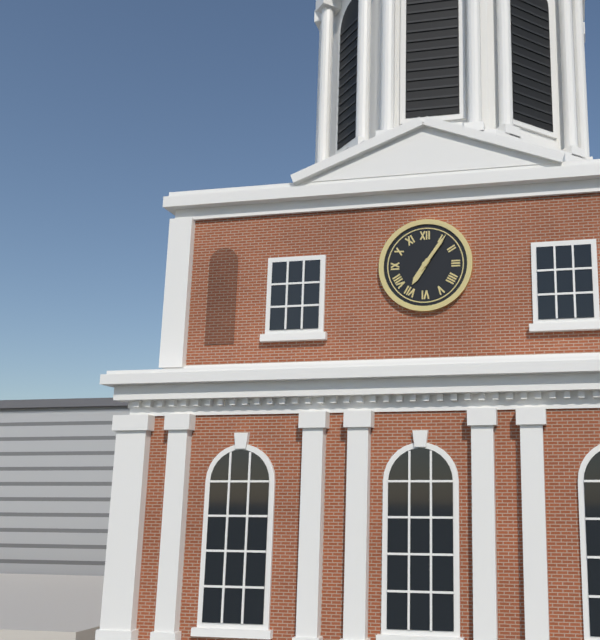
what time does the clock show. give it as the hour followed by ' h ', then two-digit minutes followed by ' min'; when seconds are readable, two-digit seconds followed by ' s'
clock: 7 h 06 min
